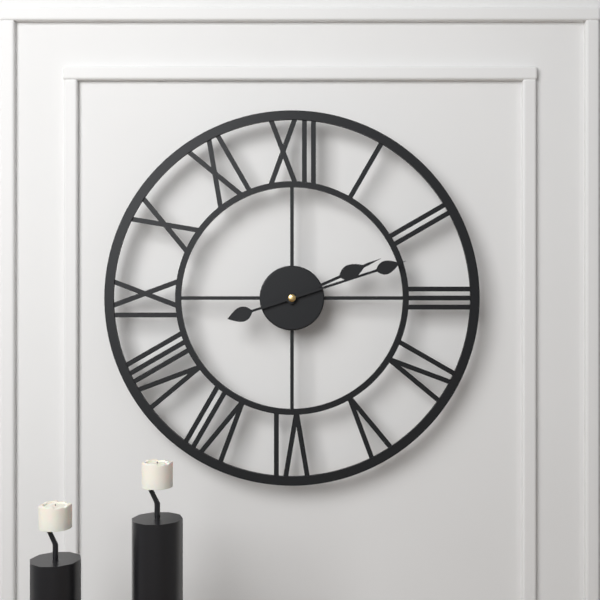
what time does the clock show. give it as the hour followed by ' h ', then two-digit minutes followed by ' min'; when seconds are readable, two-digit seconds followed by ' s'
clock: 2 h 12 min
